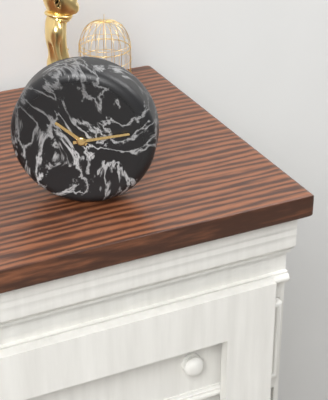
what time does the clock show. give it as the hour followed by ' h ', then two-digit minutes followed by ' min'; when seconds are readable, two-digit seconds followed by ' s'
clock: 10 h 13 min
